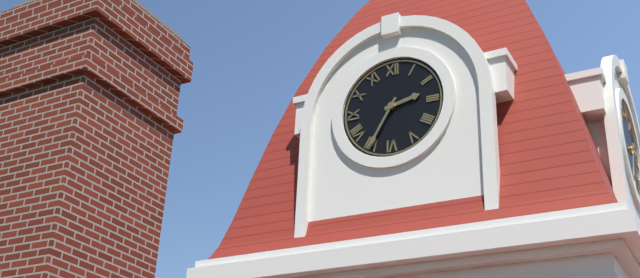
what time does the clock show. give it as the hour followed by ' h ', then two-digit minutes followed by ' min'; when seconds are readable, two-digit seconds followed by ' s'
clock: 2 h 35 min
